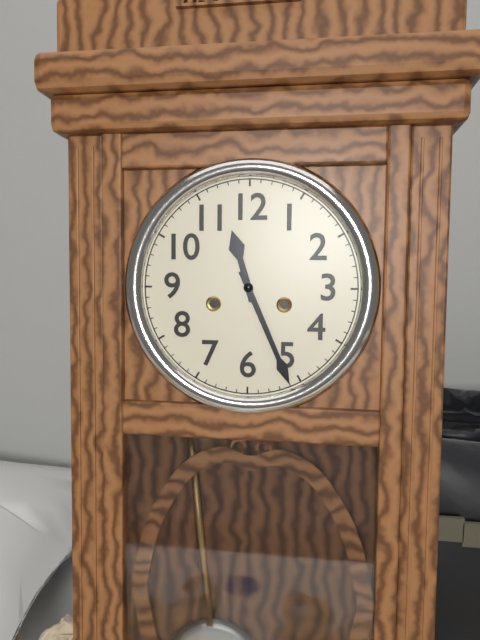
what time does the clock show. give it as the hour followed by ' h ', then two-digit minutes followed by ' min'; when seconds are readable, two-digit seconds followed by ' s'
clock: 11 h 26 min
